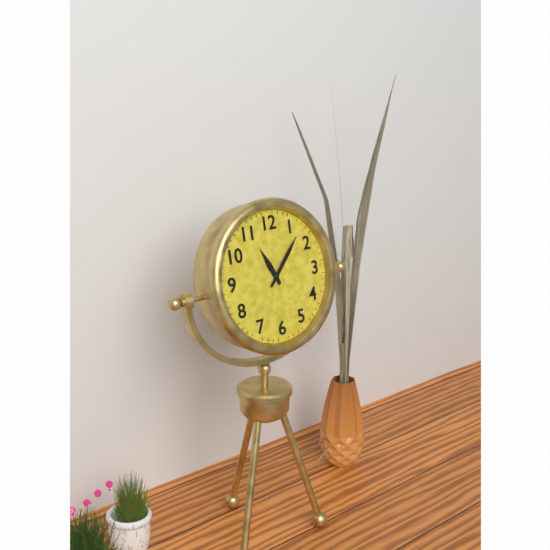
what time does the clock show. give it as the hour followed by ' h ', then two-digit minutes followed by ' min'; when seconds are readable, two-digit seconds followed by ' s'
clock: 11 h 07 min
